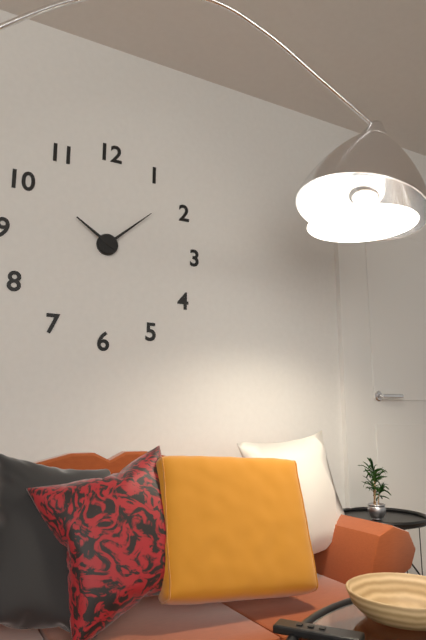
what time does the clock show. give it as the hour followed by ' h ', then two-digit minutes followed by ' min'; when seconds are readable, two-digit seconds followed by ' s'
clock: 10 h 08 min
